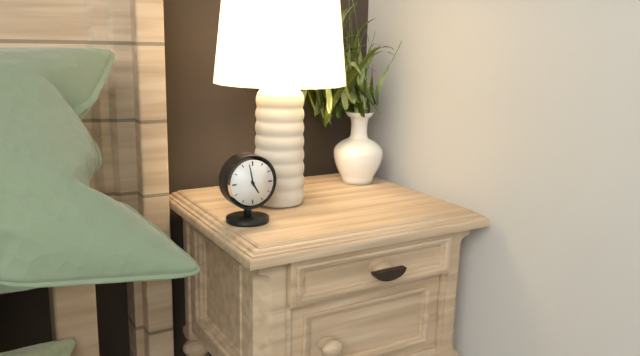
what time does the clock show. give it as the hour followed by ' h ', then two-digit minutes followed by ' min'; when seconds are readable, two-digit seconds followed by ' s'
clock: 4 h 58 min
